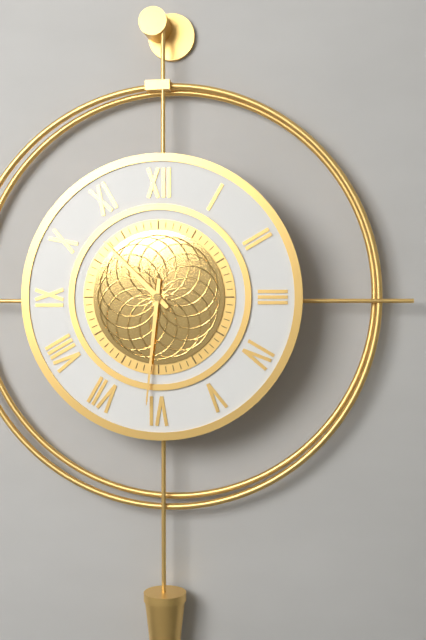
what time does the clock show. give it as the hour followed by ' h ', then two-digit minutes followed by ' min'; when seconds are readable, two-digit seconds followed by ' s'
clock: 10 h 31 min
